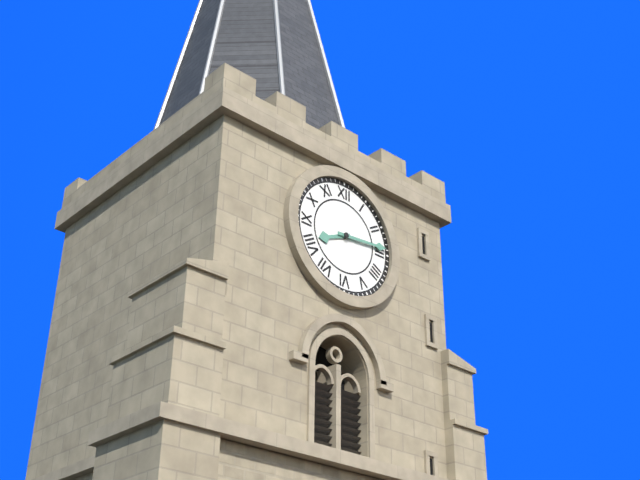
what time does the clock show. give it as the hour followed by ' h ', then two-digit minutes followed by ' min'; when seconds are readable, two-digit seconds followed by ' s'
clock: 8 h 14 min
